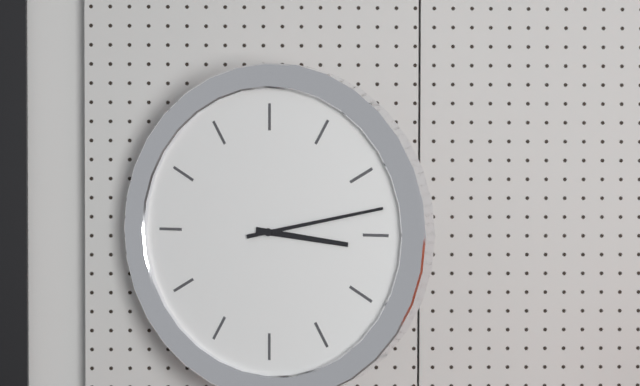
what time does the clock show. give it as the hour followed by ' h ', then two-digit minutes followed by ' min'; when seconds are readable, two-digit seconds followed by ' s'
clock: 3 h 13 min
